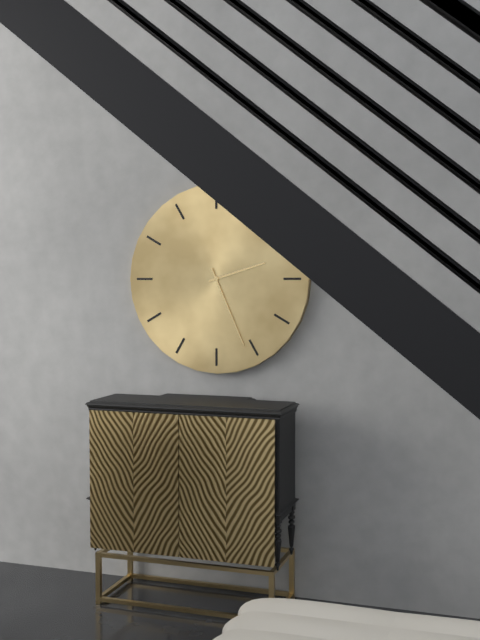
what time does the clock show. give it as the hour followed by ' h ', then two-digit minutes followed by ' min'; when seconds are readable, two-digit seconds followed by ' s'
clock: 2 h 26 min
